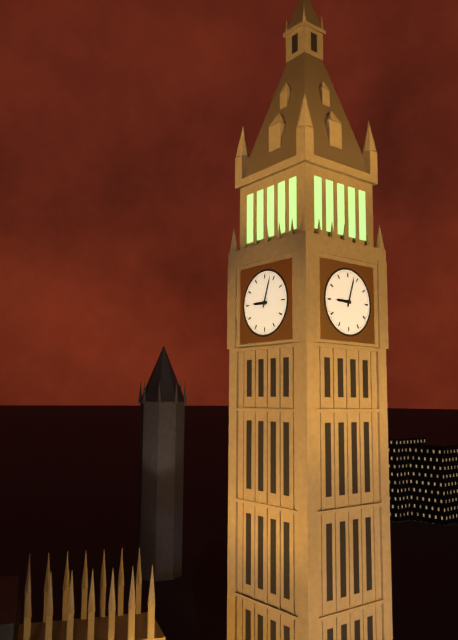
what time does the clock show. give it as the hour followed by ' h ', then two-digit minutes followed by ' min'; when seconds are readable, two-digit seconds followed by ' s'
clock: 9 h 03 min
